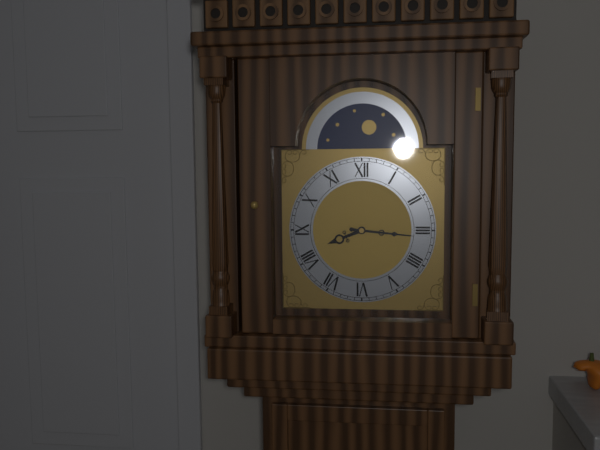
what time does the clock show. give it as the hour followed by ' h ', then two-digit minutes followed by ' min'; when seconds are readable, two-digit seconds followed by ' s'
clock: 8 h 16 min
